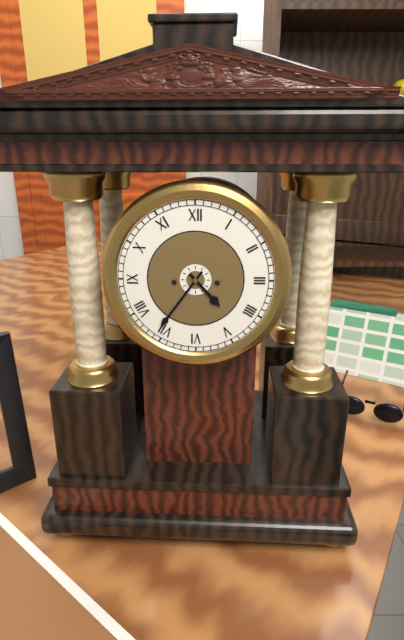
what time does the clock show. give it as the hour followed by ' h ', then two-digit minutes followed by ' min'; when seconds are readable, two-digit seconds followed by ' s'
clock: 4 h 36 min
